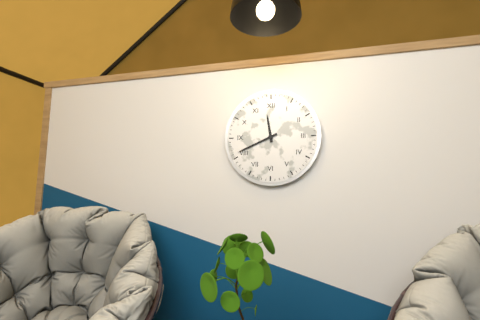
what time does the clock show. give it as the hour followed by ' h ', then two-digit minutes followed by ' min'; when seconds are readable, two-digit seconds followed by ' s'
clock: 11 h 41 min
